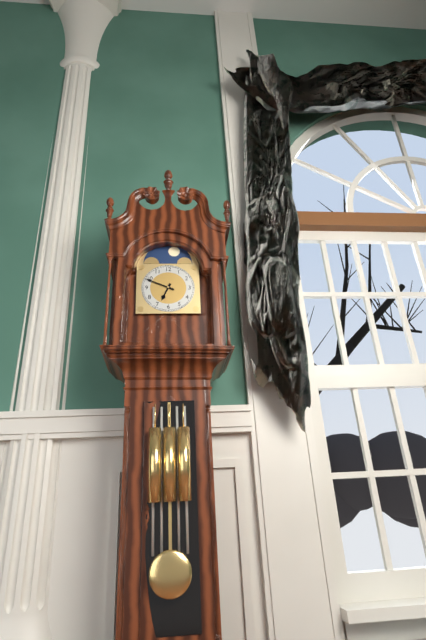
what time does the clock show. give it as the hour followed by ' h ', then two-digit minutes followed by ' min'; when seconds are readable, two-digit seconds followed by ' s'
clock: 6 h 49 min
